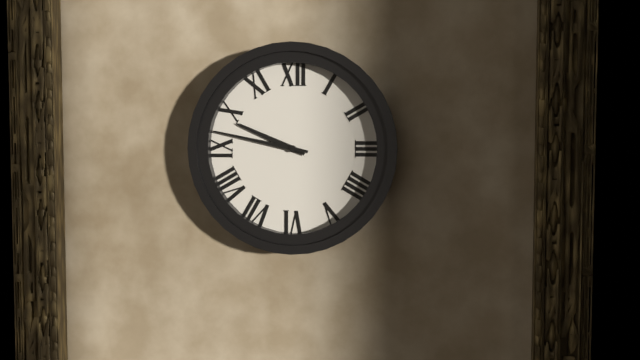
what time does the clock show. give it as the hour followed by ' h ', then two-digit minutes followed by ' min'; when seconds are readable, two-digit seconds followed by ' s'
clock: 9 h 47 min
